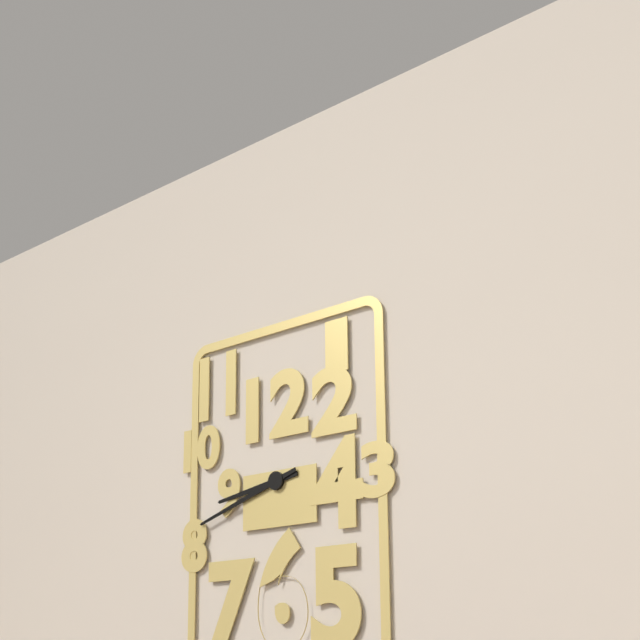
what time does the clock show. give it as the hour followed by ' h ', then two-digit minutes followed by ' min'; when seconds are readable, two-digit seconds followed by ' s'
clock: 8 h 42 min
